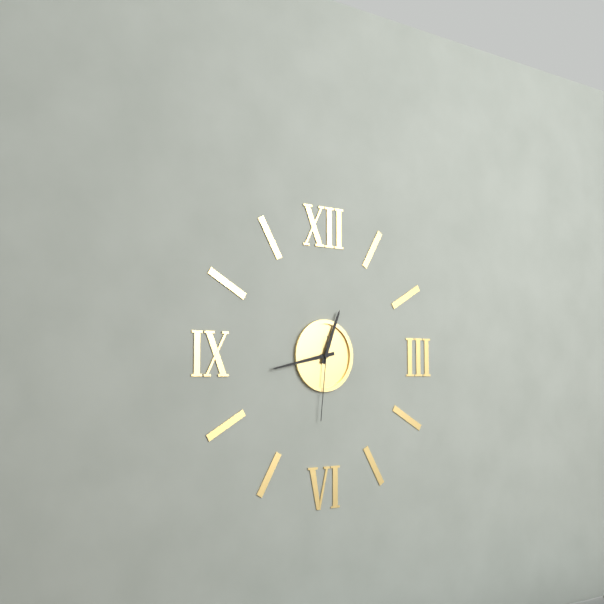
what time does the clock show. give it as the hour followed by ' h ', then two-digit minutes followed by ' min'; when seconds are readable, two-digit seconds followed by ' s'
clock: 12 h 43 min 31 s
